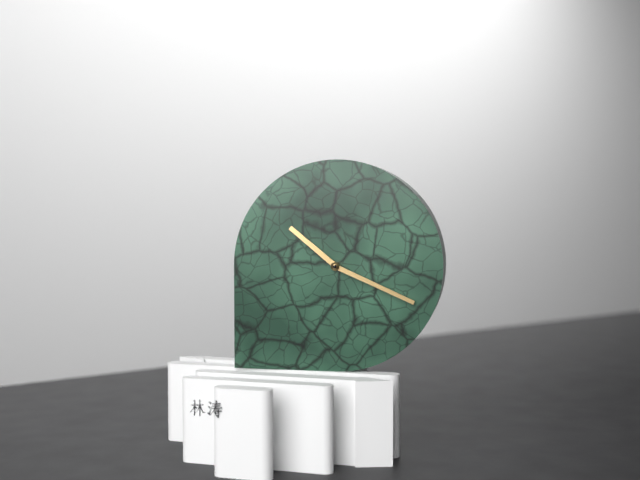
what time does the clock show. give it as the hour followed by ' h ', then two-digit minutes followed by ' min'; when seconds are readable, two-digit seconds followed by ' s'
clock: 10 h 19 min
